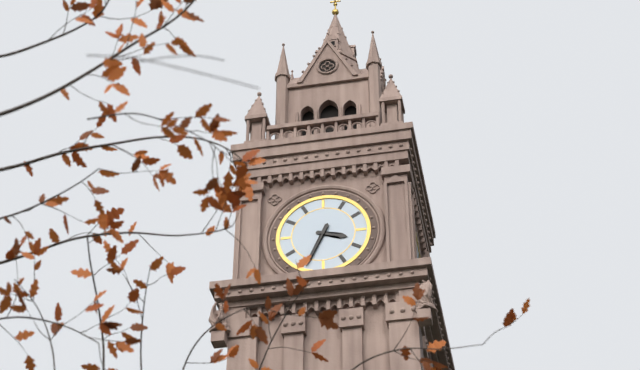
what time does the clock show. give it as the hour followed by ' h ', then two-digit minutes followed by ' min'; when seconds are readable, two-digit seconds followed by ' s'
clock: 3 h 34 min
